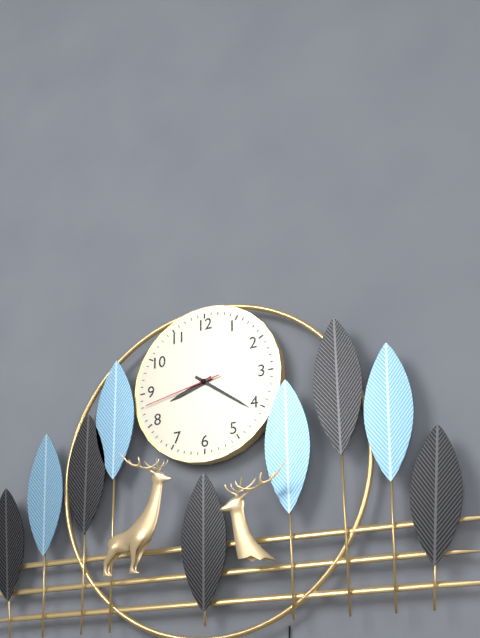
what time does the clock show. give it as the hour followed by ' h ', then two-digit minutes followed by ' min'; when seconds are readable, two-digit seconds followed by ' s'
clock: 8 h 21 min 43 s
